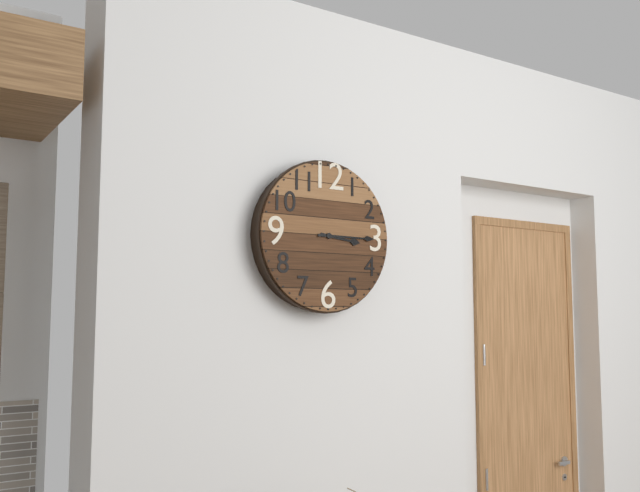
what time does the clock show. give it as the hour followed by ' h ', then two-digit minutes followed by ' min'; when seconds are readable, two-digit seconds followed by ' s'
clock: 3 h 15 min
